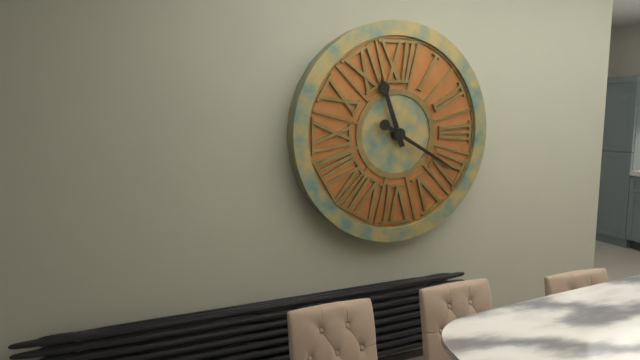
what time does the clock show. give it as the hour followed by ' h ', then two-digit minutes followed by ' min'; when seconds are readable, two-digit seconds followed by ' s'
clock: 11 h 20 min
